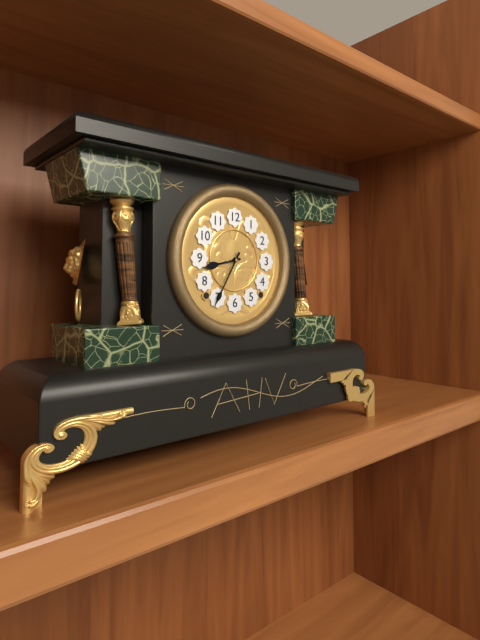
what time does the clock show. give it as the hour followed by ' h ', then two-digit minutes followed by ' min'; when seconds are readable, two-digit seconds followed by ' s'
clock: 8 h 35 min
